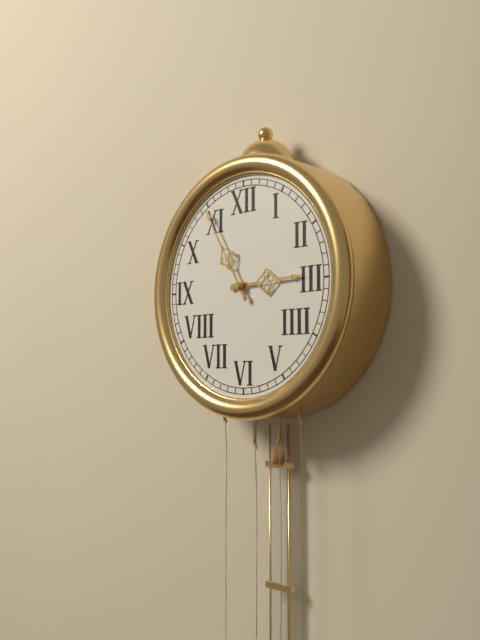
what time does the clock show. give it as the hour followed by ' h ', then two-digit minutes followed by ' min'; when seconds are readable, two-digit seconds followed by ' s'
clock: 2 h 55 min
